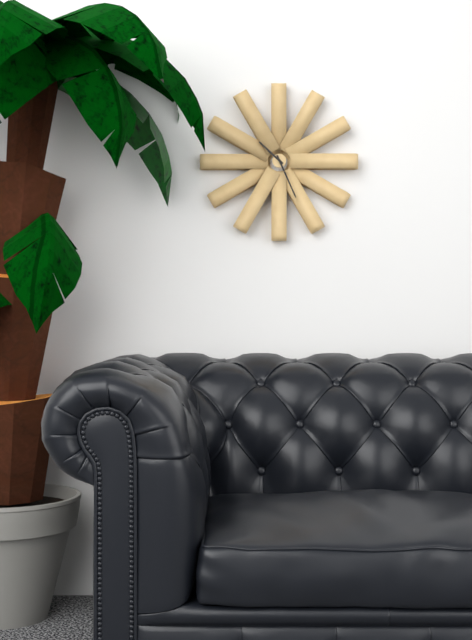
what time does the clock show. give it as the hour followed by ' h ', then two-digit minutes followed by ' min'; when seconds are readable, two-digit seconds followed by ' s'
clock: 10 h 26 min
